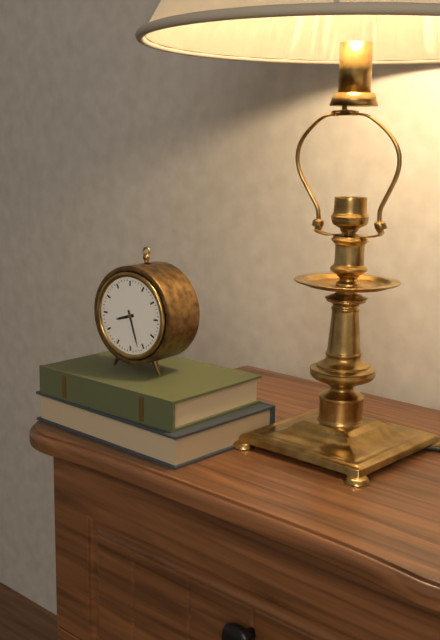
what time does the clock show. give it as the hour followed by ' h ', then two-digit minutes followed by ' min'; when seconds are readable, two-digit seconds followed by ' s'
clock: 8 h 27 min
